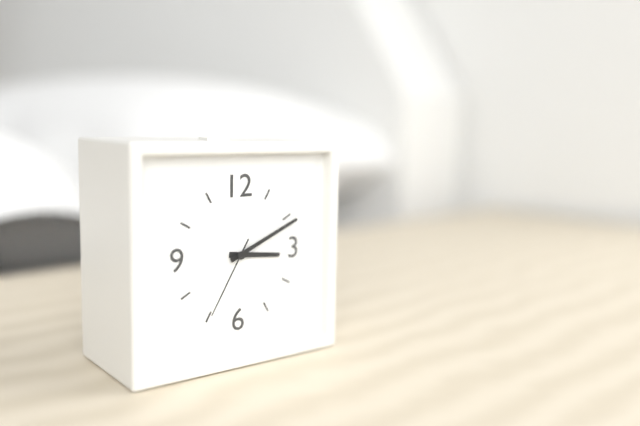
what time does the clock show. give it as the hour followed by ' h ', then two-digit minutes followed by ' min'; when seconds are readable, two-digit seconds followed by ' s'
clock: 3 h 11 min 35 s
